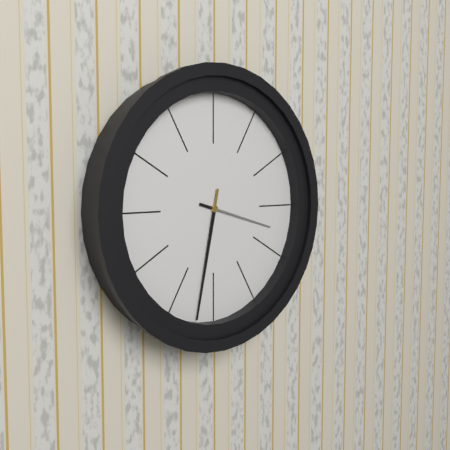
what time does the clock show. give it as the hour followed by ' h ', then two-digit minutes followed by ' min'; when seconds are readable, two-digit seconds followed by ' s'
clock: 3 h 32 min
